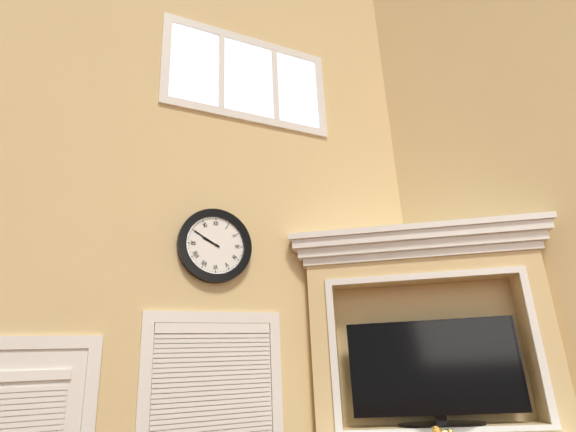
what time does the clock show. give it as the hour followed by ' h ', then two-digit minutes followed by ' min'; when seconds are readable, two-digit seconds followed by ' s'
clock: 9 h 50 min
